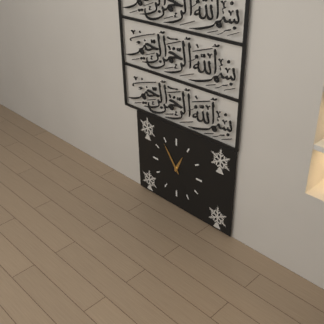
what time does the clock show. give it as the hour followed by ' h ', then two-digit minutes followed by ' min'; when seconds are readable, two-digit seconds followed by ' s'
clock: 12 h 54 min
